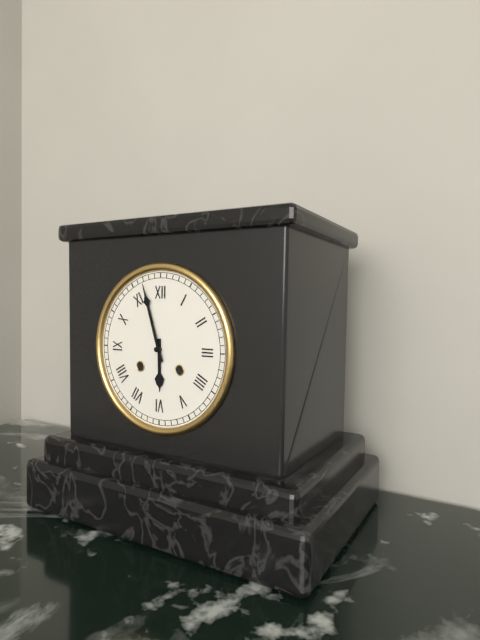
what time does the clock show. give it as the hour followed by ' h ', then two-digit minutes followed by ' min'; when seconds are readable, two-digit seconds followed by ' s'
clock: 5 h 57 min
